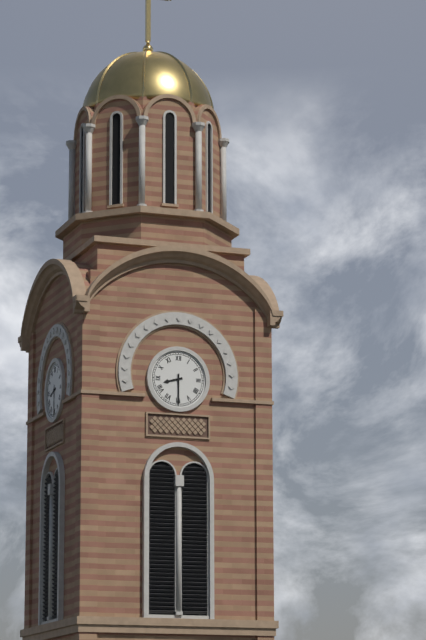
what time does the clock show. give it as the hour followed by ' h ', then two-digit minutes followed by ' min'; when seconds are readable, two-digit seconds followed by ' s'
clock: 8 h 30 min
